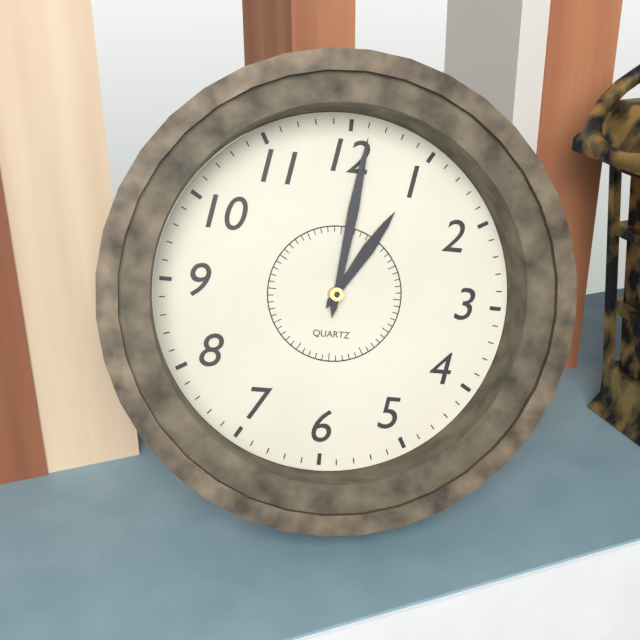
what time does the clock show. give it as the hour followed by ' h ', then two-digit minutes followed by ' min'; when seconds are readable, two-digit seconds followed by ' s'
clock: 1 h 01 min
